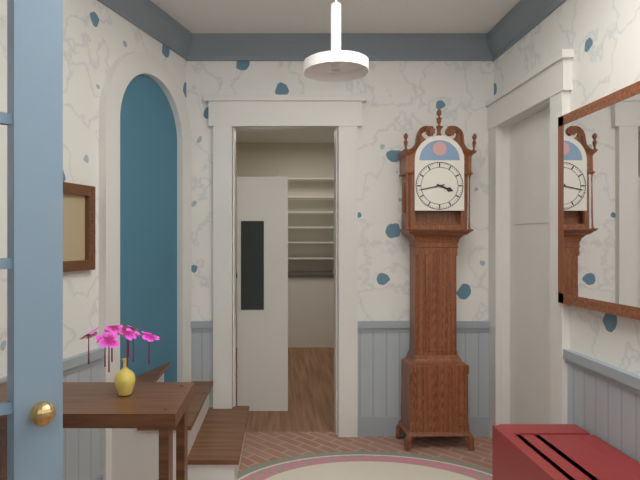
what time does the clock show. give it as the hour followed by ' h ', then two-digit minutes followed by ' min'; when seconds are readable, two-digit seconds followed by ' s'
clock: 3 h 43 min
